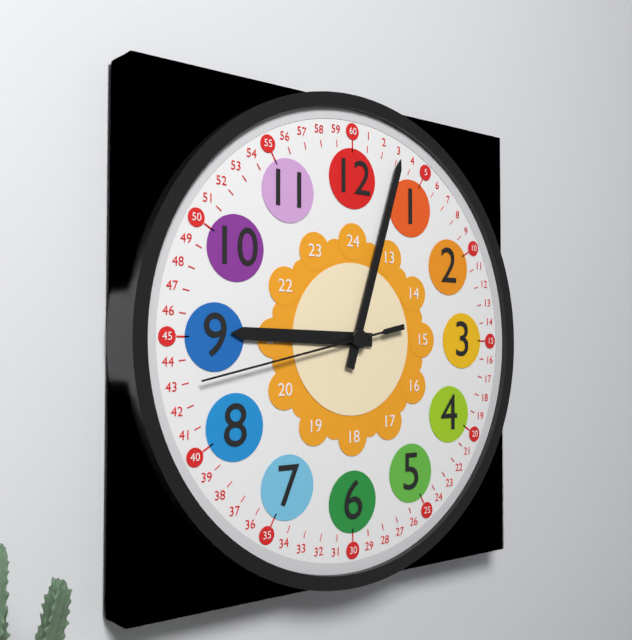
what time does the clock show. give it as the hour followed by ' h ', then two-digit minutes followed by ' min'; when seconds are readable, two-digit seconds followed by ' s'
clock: 9 h 03 min 43 s
